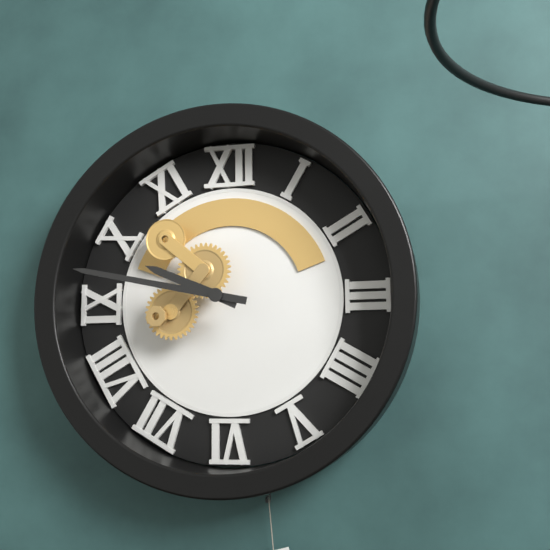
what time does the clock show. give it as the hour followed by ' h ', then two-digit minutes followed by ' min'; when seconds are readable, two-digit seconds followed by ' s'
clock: 9 h 47 min
